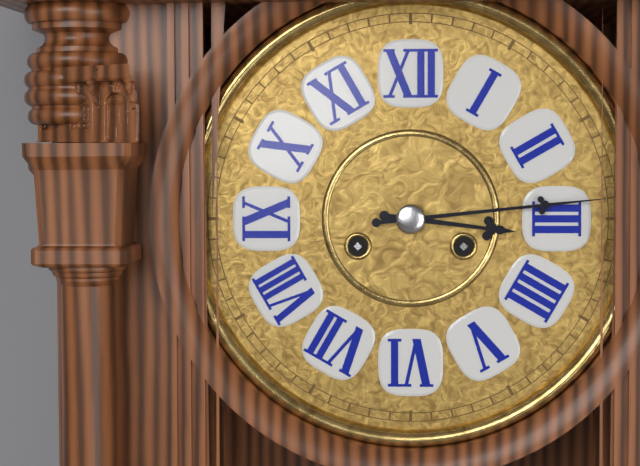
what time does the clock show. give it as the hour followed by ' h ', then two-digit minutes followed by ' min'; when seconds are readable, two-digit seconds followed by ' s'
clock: 3 h 14 min
